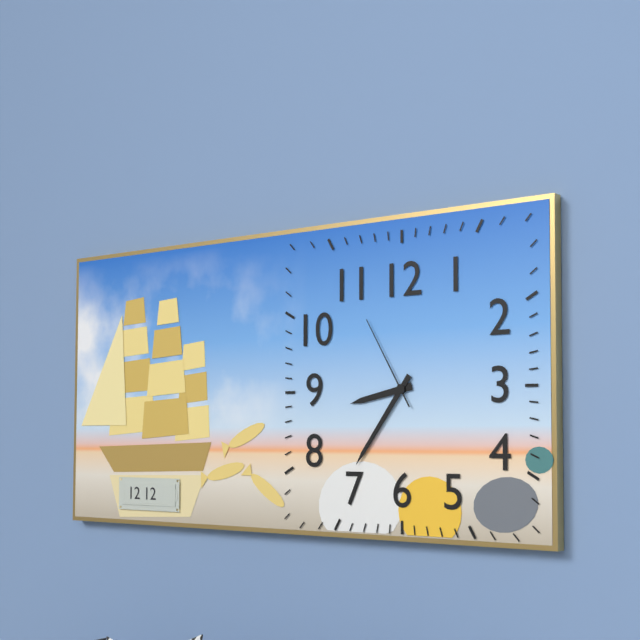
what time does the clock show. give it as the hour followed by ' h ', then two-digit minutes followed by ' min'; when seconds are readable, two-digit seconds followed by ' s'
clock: 8 h 36 min 55 s
